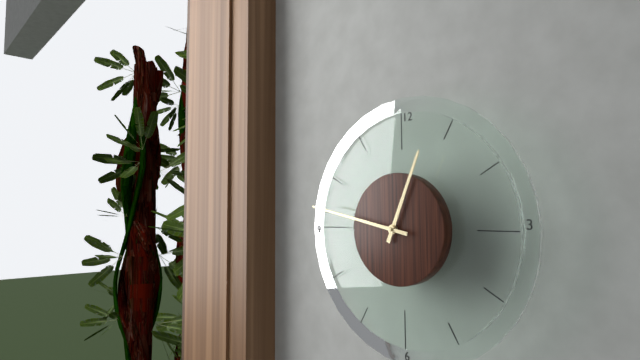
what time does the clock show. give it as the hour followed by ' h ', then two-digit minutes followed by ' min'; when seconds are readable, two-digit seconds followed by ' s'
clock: 12 h 47 min
